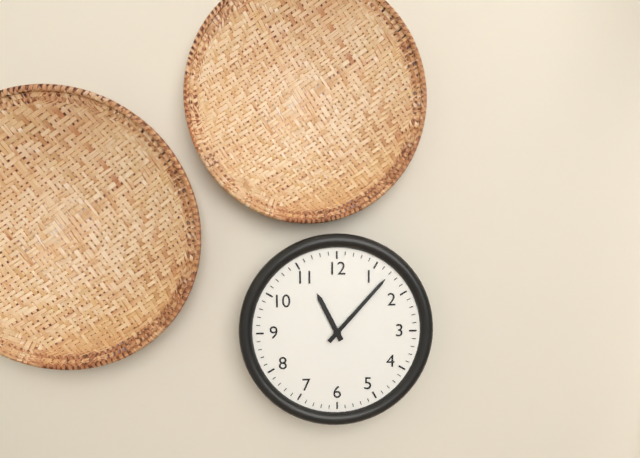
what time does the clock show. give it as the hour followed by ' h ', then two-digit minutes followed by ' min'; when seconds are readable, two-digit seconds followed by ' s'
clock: 11 h 07 min
